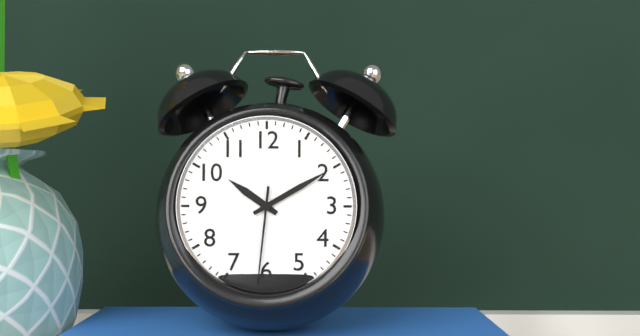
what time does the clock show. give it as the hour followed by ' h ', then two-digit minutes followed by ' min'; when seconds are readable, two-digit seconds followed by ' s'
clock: 10 h 10 min 31 s
